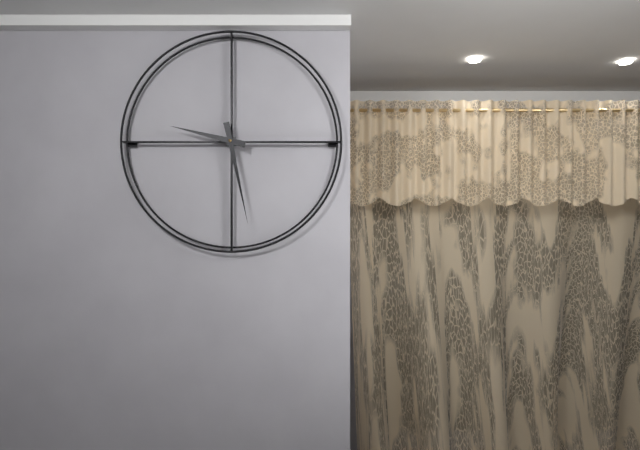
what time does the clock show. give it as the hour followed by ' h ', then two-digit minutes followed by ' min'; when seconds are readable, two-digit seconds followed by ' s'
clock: 9 h 28 min
